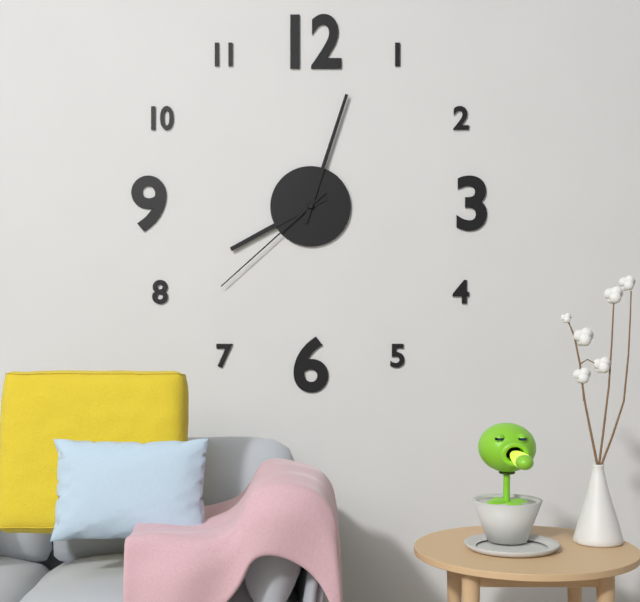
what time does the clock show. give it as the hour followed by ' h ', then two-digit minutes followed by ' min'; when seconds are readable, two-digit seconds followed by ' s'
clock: 8 h 03 min 38 s
